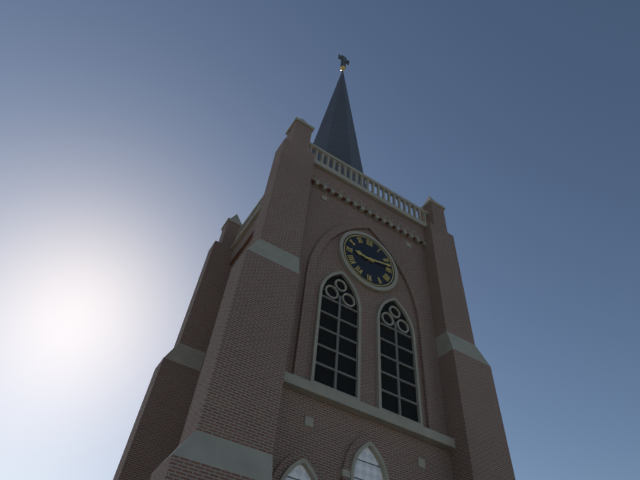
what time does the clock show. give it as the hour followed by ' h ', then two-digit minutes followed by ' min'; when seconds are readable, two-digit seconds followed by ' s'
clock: 9 h 13 min
